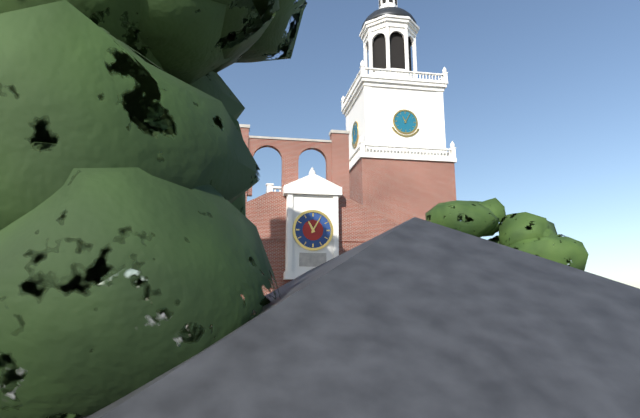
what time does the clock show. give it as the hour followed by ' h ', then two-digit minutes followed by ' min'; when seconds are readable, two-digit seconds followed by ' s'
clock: 11 h 05 min
